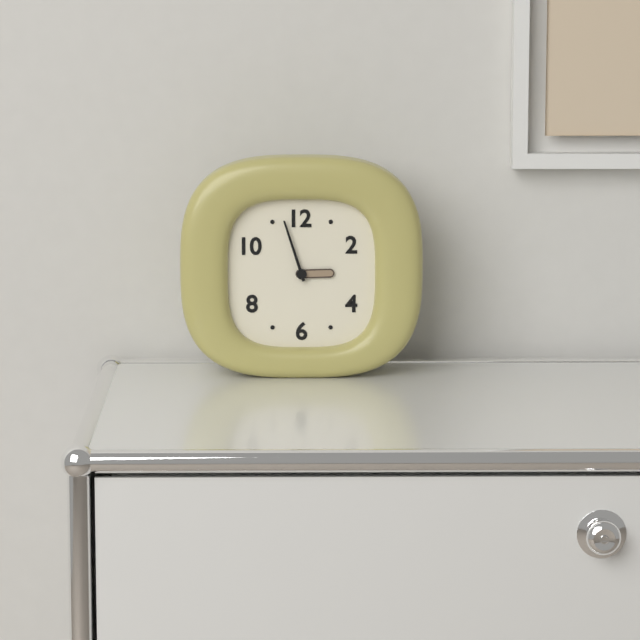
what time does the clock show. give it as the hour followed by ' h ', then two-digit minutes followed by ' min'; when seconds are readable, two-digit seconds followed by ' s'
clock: 2 h 57 min
